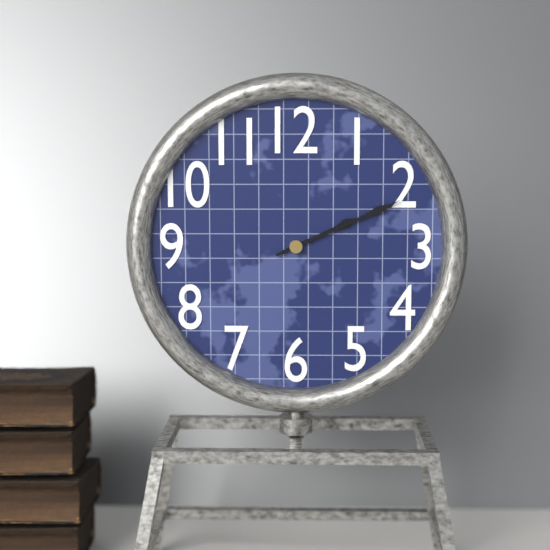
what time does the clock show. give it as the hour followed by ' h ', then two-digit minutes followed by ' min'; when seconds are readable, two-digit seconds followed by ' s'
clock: 2 h 11 min
